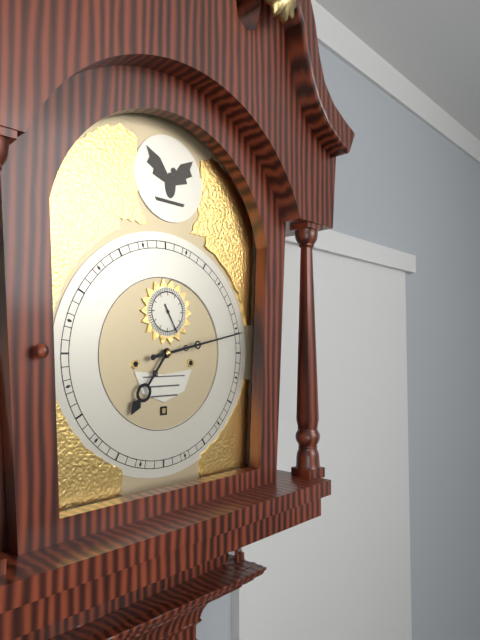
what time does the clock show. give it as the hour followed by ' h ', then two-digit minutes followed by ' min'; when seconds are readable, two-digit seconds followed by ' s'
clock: 7 h 13 min
